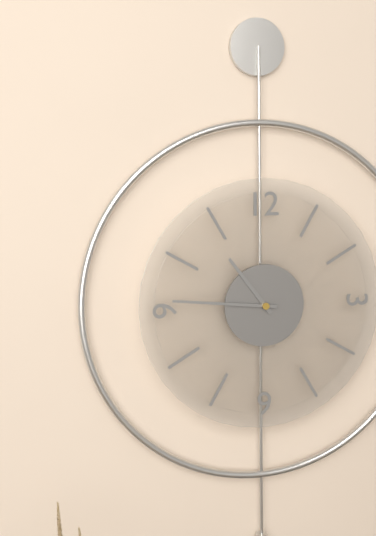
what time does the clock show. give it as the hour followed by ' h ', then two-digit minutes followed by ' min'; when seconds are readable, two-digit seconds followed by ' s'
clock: 10 h 46 min
